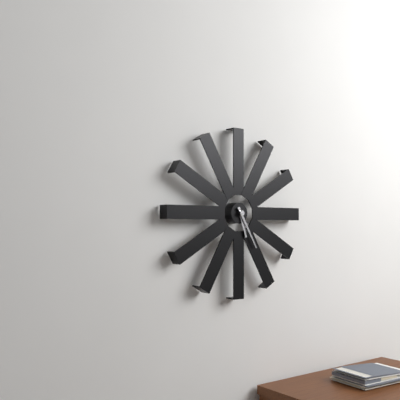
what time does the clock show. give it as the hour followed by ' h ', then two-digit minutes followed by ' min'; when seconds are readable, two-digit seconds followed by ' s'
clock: 5 h 25 min
